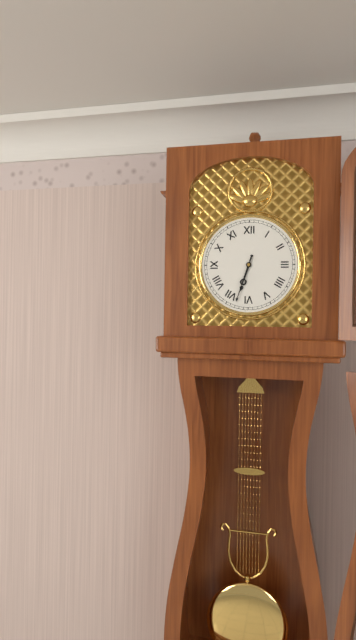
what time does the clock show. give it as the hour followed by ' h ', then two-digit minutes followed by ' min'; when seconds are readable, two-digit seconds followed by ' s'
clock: 6 h 33 min
